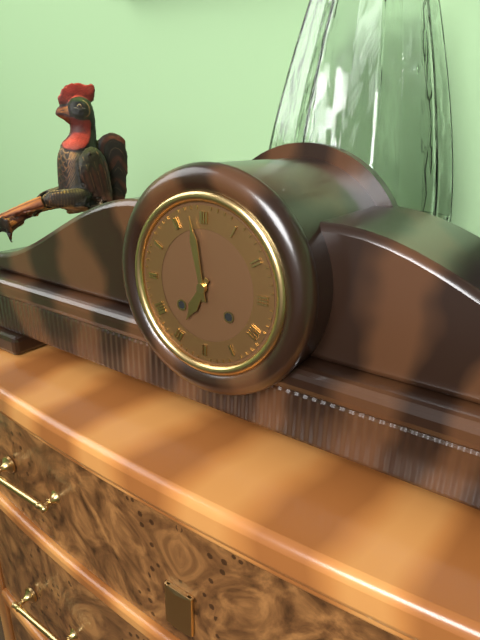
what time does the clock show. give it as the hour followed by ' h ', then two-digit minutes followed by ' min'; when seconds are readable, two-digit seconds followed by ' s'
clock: 6 h 58 min
